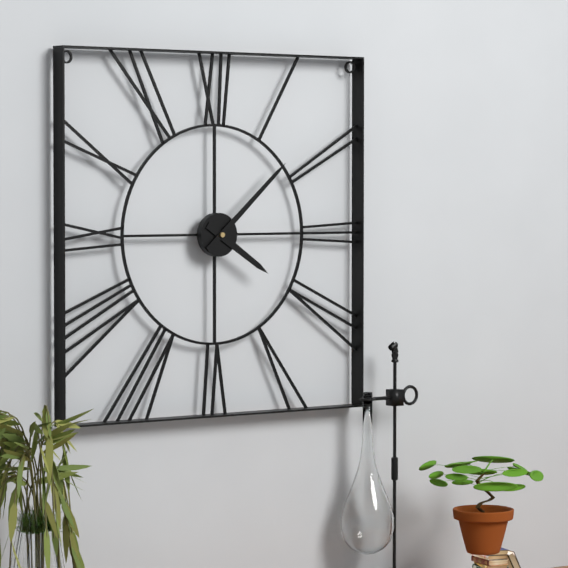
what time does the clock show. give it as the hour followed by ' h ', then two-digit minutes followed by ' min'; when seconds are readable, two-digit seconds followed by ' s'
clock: 4 h 08 min
